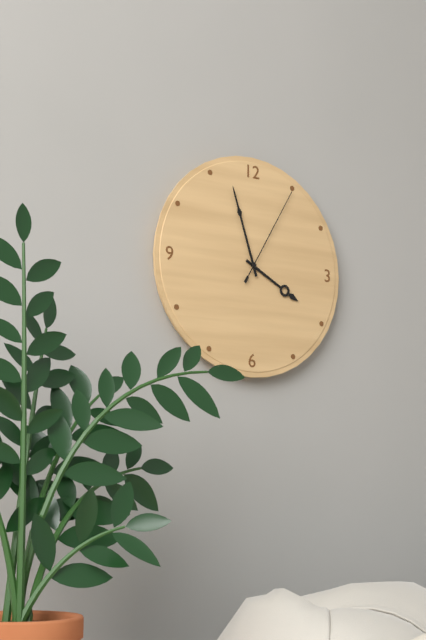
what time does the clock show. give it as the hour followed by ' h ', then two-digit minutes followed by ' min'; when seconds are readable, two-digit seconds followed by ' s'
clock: 3 h 57 min 05 s
